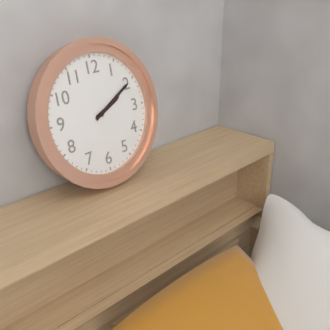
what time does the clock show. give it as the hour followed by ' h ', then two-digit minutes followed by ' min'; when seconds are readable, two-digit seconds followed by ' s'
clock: 2 h 10 min
